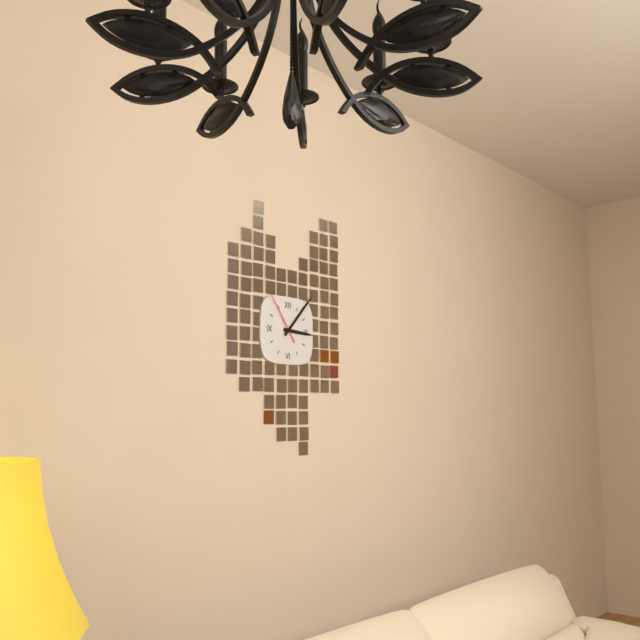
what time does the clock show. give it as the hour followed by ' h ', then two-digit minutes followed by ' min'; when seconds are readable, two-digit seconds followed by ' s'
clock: 3 h 07 min 54 s
